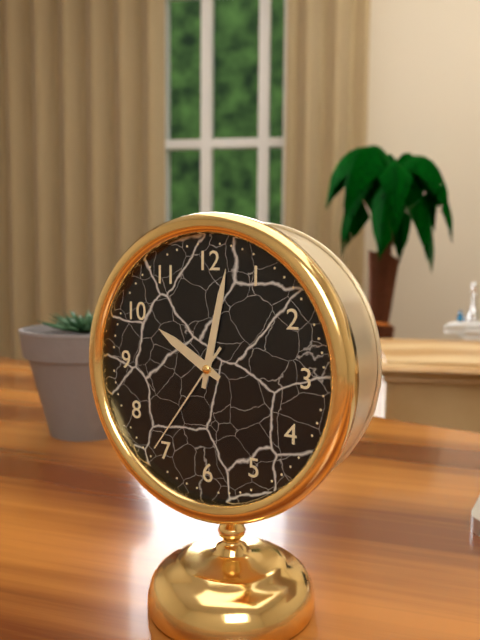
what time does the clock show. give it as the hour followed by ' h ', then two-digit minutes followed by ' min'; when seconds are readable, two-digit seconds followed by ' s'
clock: 10 h 02 min 36 s
